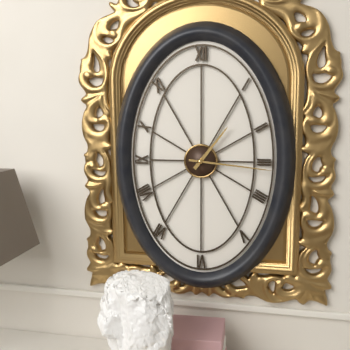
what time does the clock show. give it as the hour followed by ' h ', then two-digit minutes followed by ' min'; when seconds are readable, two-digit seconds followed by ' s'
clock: 1 h 16 min
